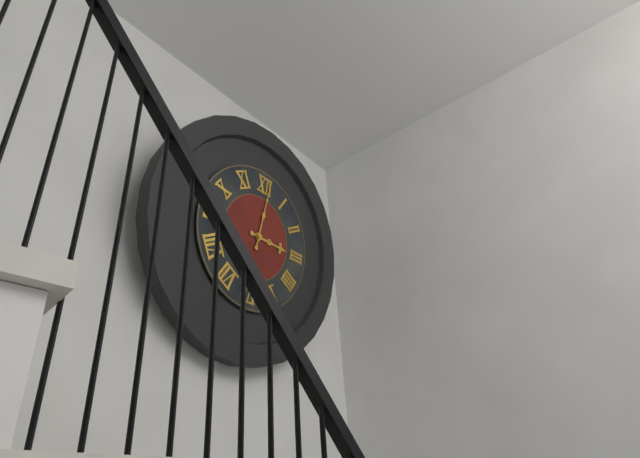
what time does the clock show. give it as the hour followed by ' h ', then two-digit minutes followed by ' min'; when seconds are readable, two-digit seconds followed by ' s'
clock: 3 h 01 min
